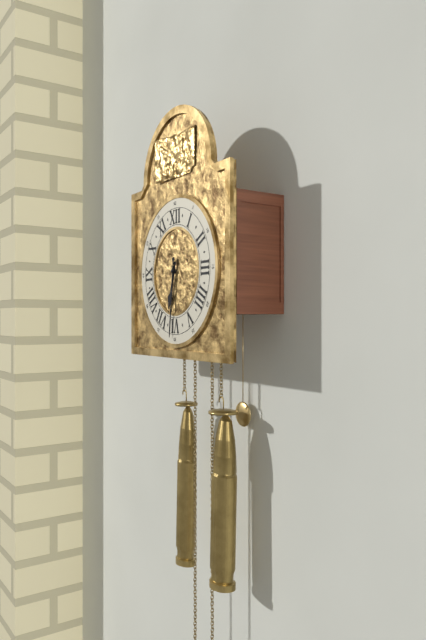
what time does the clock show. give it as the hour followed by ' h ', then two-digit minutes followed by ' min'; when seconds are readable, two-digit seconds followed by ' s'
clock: 6 h 31 min
